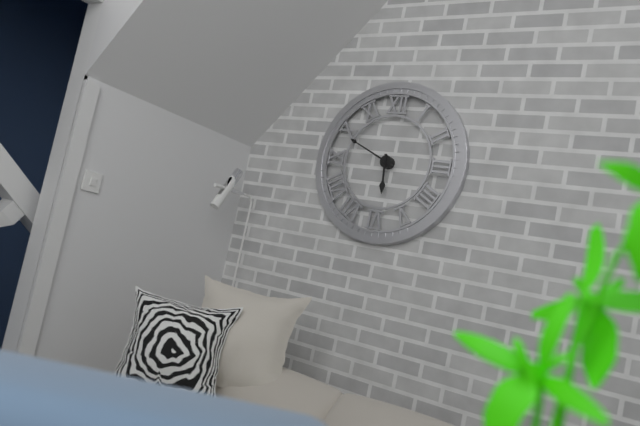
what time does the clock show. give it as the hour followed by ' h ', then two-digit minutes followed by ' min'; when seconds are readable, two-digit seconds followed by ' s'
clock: 5 h 49 min
